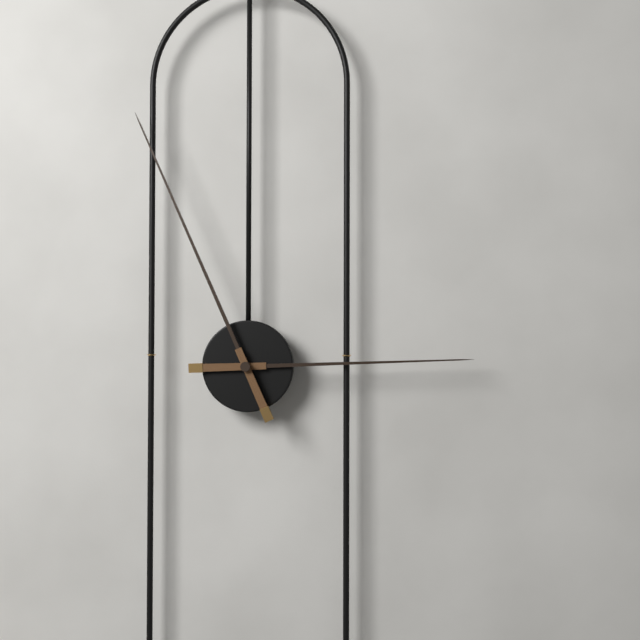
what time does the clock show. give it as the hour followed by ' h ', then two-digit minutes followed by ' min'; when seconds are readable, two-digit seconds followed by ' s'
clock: 2 h 56 min
